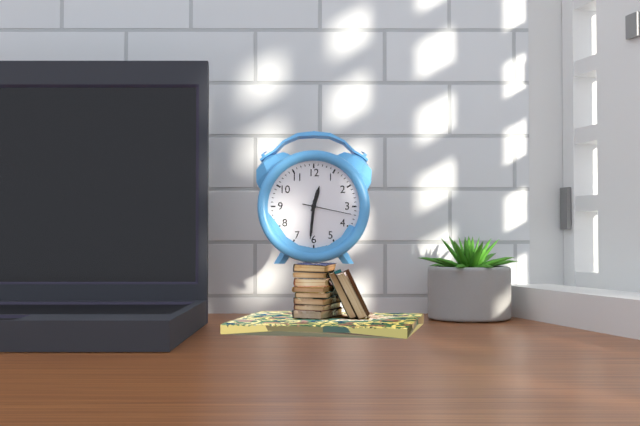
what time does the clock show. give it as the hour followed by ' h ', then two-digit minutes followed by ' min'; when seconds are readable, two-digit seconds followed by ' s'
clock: 12 h 31 min
